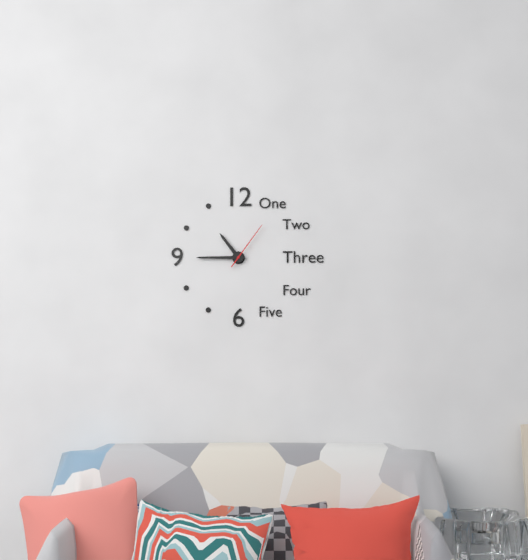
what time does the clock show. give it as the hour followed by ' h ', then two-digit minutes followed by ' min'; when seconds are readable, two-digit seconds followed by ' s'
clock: 10 h 45 min 06 s
